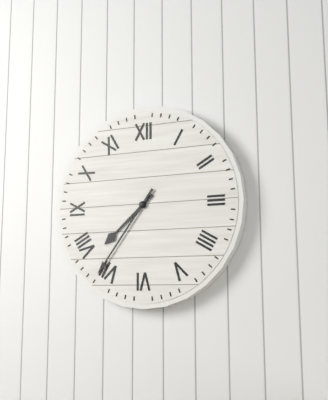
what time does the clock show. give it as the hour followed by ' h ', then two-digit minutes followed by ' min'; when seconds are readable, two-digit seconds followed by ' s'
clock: 7 h 36 min
